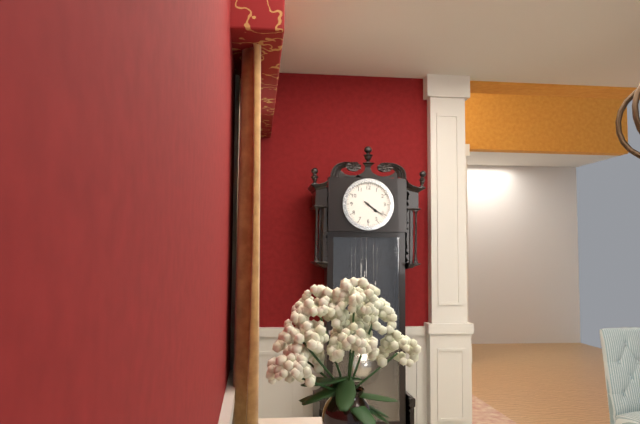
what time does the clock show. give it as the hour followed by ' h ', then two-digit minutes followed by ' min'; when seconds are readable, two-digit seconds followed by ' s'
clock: 4 h 21 min
